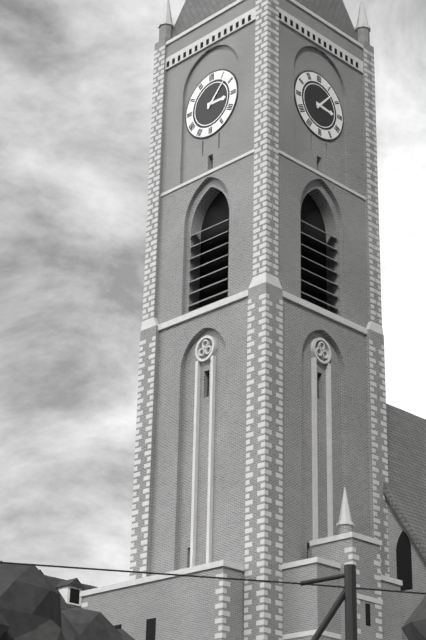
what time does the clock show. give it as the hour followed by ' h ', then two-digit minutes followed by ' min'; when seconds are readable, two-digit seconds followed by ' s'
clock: 3 h 07 min
